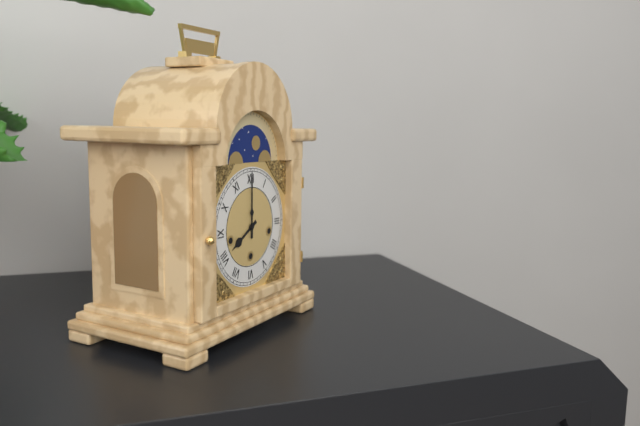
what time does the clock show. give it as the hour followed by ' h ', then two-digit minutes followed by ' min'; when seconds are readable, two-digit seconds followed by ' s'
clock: 8 h 00 min
